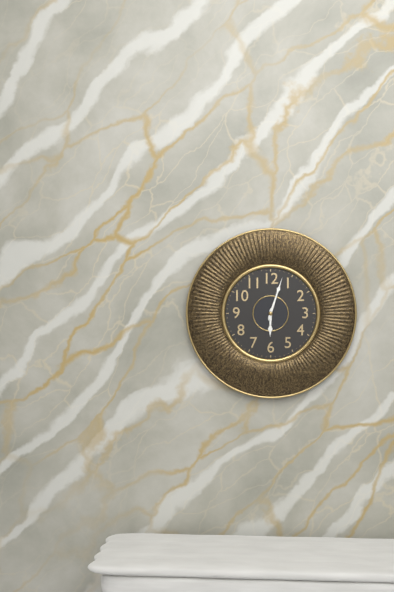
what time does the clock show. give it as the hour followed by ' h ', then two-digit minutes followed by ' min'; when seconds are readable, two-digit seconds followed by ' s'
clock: 6 h 03 min
